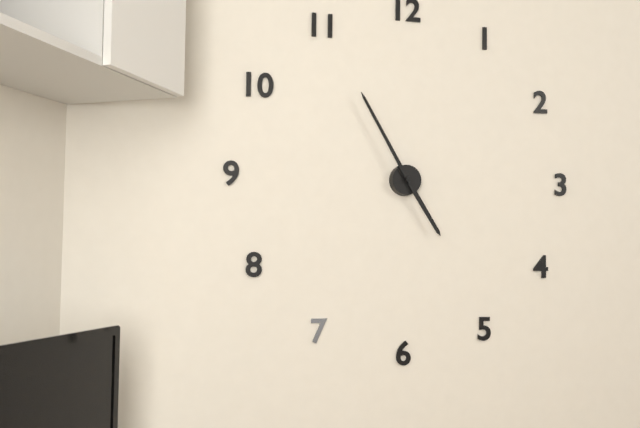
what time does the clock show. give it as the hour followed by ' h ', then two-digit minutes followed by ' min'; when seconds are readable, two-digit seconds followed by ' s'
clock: 4 h 55 min
